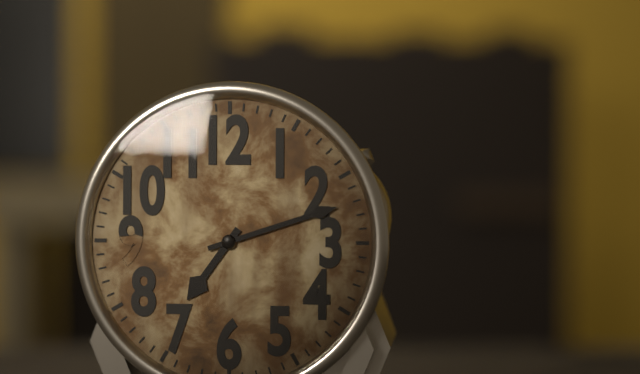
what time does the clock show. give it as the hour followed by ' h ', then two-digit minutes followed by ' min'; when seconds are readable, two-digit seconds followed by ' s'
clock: 7 h 12 min
